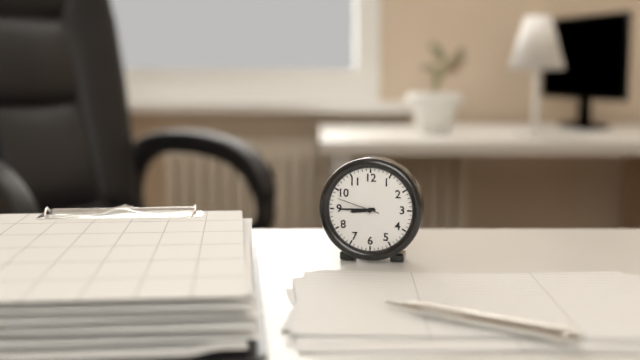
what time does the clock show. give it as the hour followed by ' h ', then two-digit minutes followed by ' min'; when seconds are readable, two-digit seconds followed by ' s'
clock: 8 h 45 min
